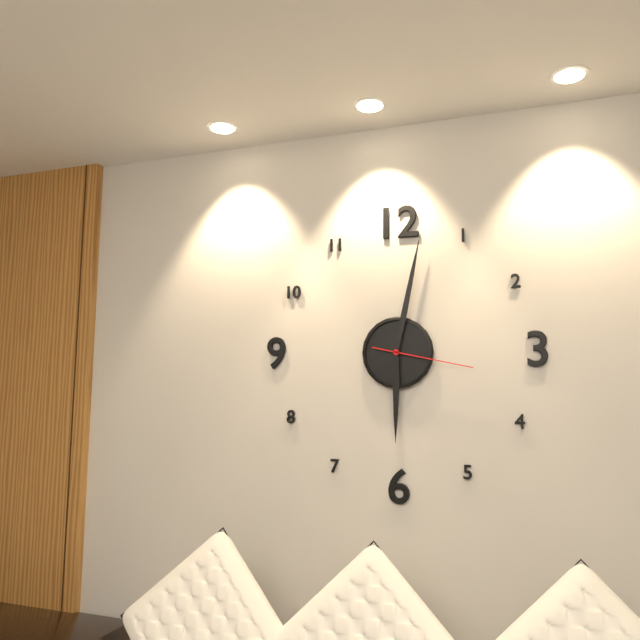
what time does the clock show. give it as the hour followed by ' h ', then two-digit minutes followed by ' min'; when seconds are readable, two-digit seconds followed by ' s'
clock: 6 h 02 min 17 s
